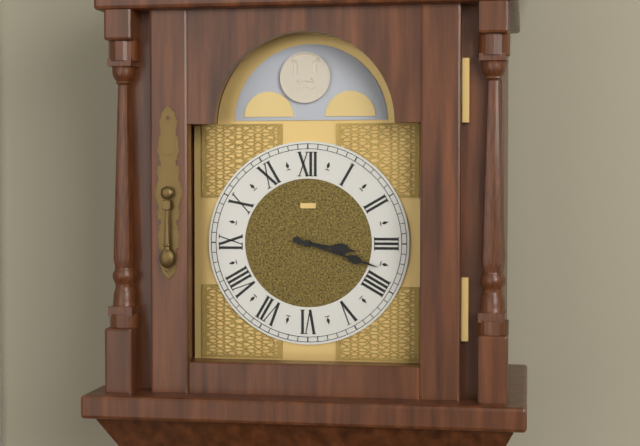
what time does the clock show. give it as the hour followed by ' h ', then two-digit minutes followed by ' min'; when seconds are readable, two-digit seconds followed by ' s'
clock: 3 h 18 min
